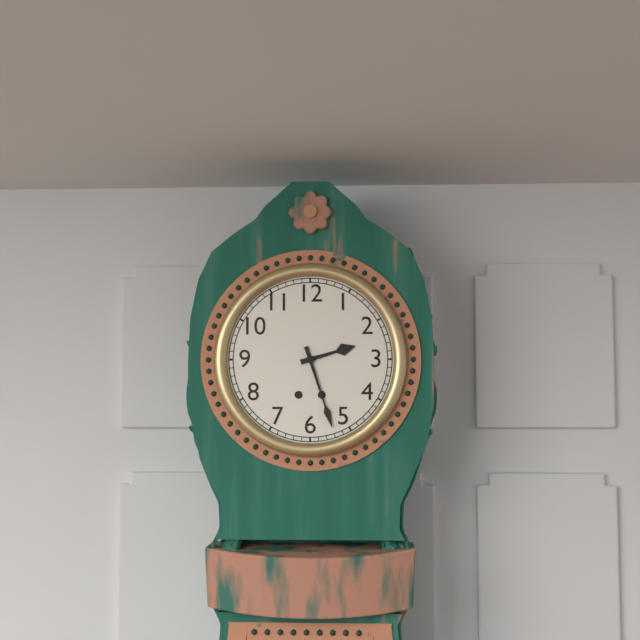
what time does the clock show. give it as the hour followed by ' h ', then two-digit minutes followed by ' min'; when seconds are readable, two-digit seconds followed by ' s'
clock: 2 h 27 min
